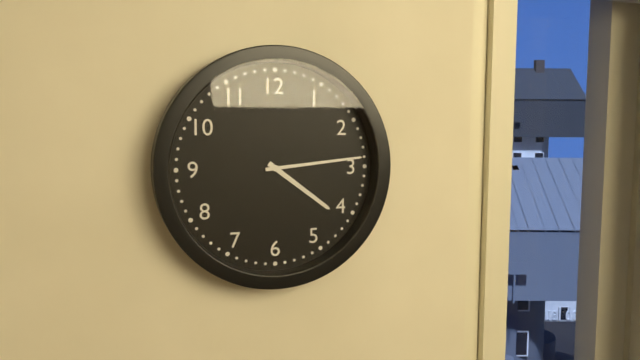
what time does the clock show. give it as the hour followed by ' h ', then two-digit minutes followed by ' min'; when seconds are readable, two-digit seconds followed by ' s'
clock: 4 h 14 min
